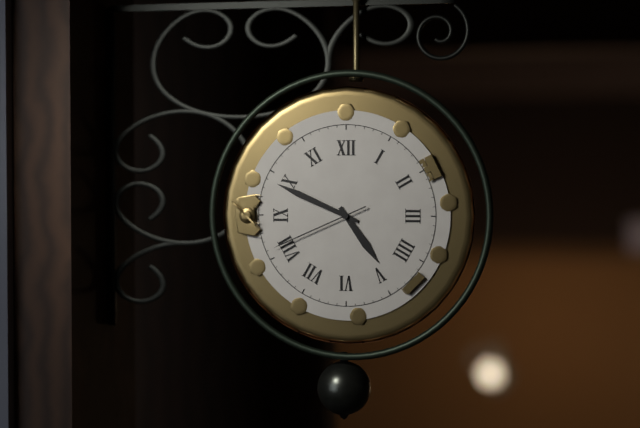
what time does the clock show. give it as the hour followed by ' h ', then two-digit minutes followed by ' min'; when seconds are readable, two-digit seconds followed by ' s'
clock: 4 h 49 min 41 s
